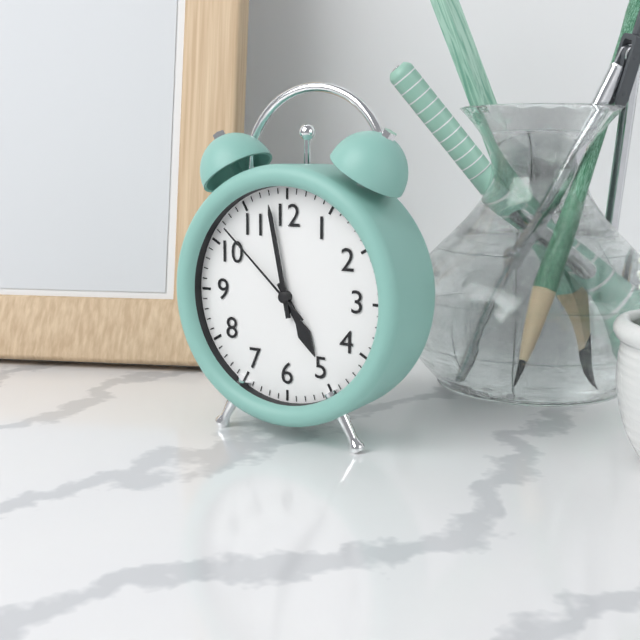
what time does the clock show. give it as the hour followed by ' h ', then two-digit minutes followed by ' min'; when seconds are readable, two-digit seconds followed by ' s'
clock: 4 h 58 min 52 s
